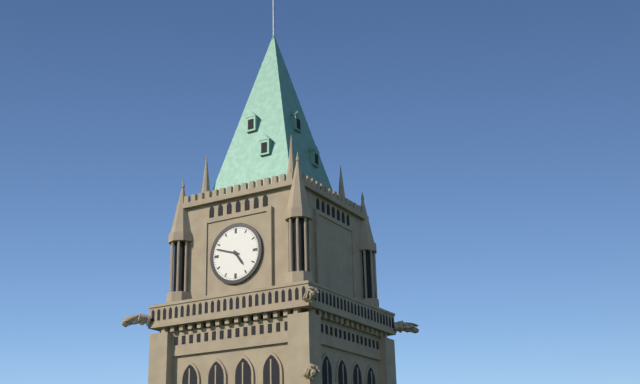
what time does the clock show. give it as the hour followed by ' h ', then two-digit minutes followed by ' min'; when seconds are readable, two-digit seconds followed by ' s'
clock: 4 h 48 min
